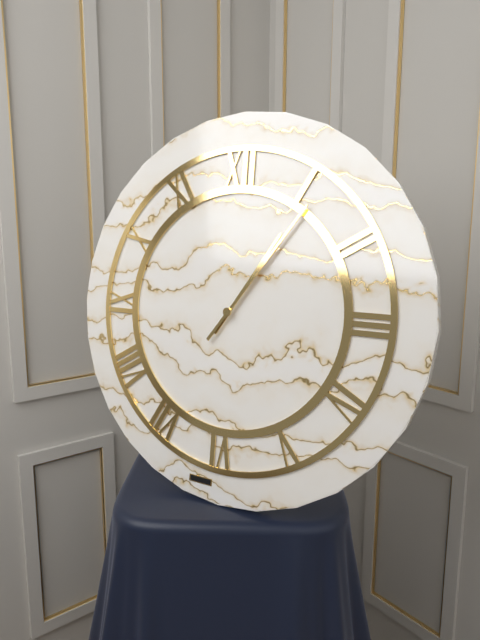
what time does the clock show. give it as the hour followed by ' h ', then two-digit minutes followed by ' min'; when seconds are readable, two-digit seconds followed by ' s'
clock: 1 h 06 min
